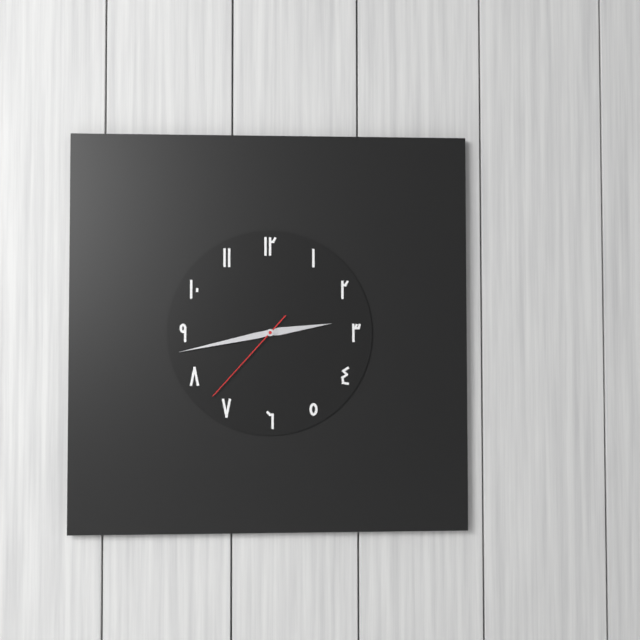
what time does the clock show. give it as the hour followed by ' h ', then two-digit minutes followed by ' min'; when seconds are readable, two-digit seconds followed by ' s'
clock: 2 h 43 min 37 s
